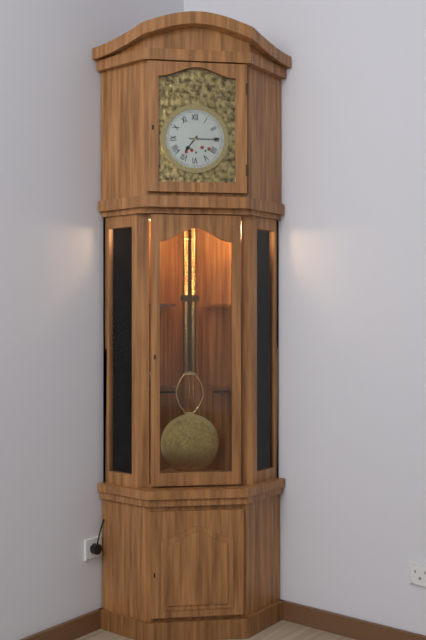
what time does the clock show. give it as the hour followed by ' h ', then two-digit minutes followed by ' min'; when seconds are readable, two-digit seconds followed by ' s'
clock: 7 h 15 min
